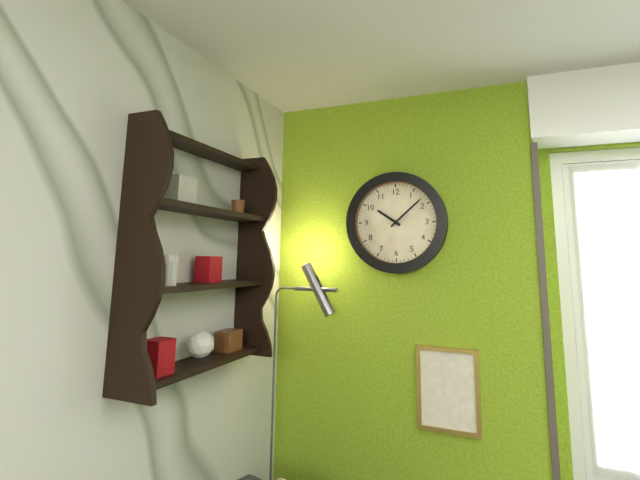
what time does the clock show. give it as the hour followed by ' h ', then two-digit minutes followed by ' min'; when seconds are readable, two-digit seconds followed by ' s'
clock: 10 h 08 min
